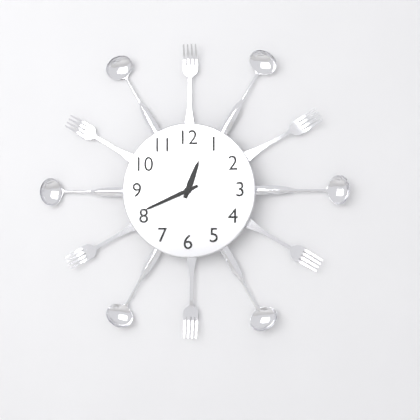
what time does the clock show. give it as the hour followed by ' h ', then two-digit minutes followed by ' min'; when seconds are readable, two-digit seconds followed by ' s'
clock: 12 h 41 min
